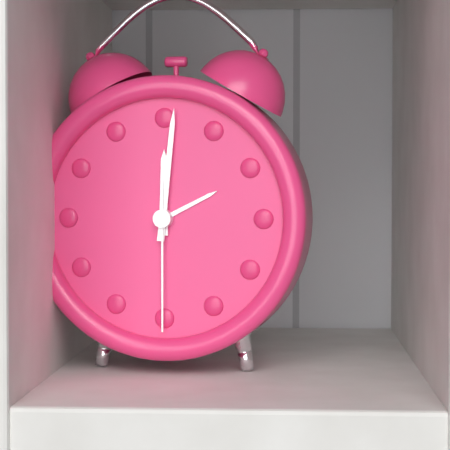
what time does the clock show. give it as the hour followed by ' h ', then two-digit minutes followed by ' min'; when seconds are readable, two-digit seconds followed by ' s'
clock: 12 h 01 min 30 s
